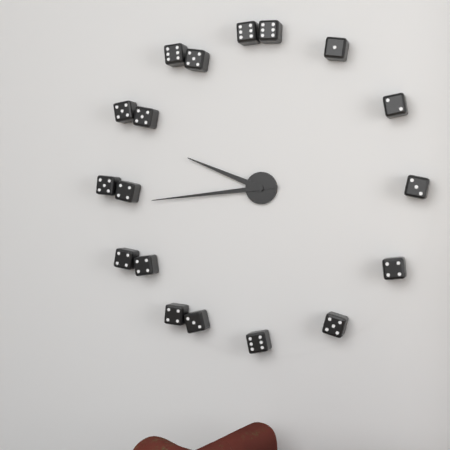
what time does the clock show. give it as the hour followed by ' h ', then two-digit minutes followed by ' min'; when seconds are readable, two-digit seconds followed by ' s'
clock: 9 h 44 min
